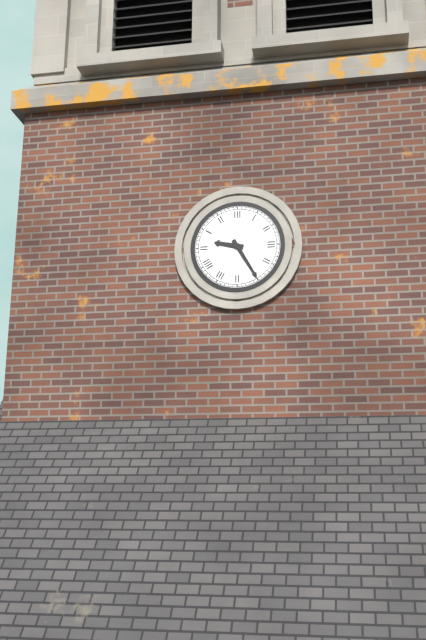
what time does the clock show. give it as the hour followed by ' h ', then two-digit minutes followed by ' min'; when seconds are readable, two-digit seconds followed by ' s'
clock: 9 h 25 min
